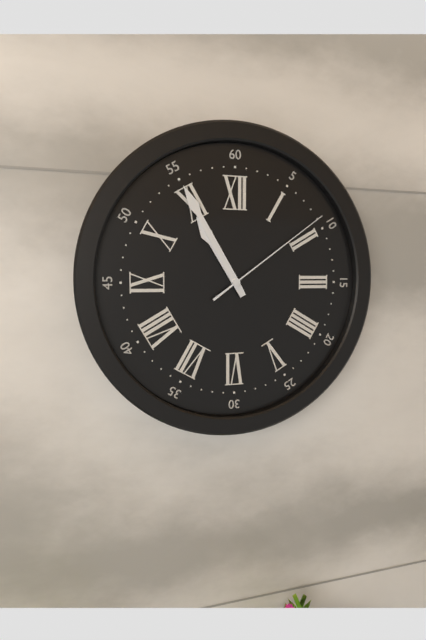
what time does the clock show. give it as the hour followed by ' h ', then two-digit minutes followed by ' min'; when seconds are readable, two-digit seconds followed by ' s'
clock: 10 h 55 min 09 s
